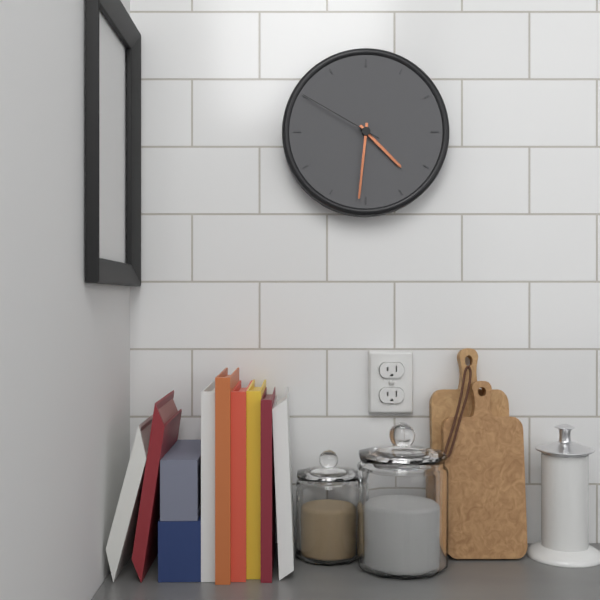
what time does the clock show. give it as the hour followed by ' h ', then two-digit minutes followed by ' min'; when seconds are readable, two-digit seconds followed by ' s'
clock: 4 h 31 min 50 s
